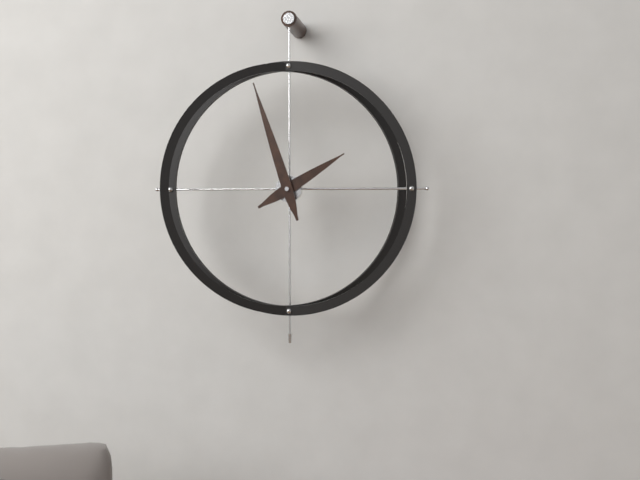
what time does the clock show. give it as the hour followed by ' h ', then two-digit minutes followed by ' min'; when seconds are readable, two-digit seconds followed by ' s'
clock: 1 h 57 min
